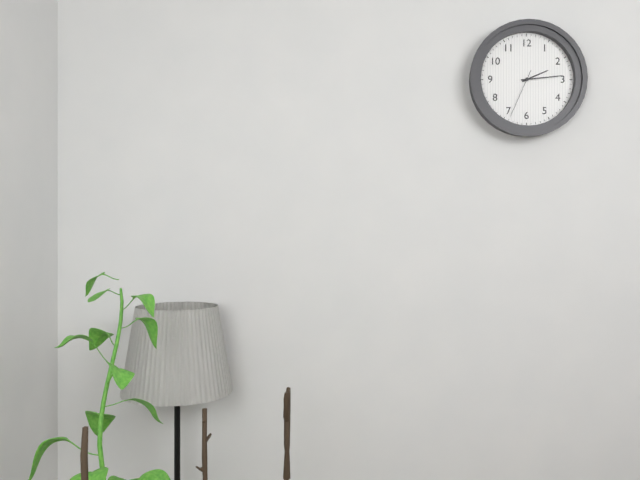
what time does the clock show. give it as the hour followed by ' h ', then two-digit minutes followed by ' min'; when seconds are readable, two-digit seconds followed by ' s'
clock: 2 h 14 min 34 s
